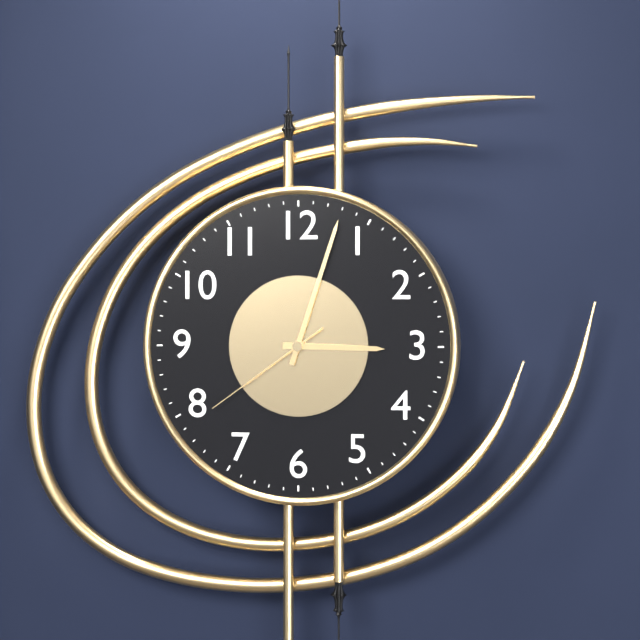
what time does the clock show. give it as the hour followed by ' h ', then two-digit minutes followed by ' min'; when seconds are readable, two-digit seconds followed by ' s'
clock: 3 h 03 min 39 s
